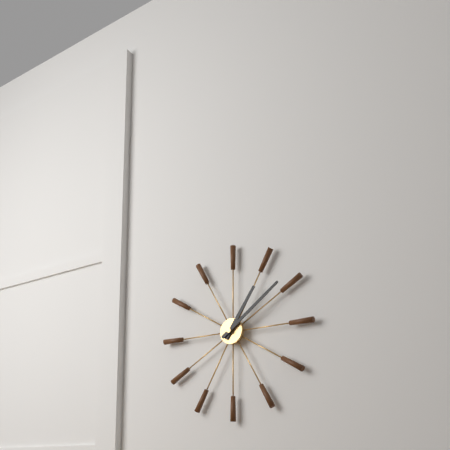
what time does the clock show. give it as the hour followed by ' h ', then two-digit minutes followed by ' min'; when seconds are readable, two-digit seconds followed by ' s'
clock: 1 h 09 min
